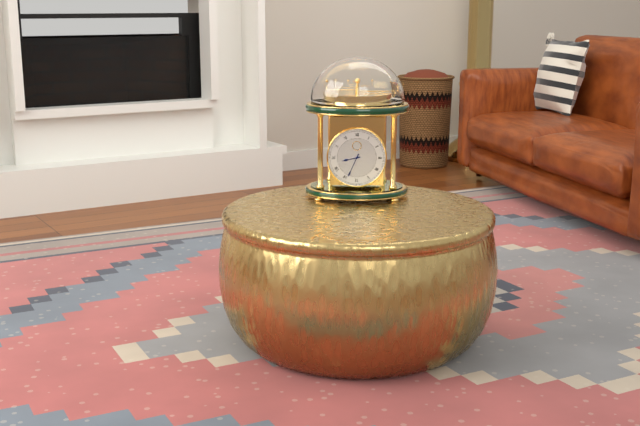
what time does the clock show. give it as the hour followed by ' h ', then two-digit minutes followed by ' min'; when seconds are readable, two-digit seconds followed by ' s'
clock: 8 h 34 min
